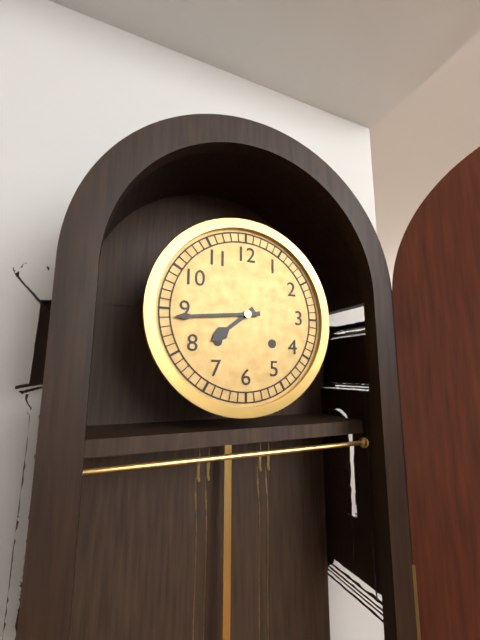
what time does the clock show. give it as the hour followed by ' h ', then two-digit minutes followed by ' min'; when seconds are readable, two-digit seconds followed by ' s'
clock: 7 h 44 min
